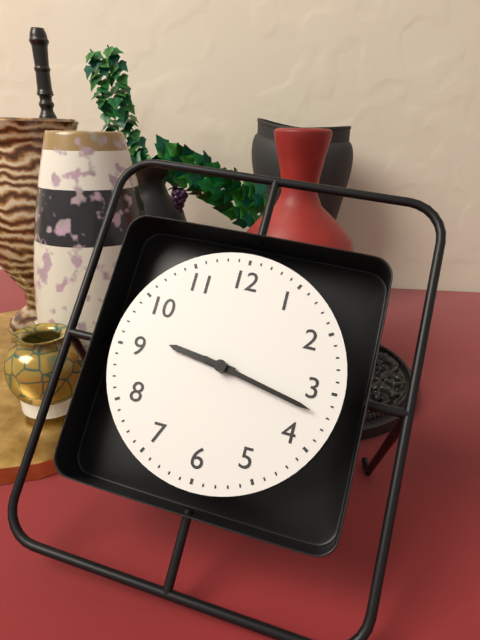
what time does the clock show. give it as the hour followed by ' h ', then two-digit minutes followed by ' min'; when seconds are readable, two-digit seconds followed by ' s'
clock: 9 h 17 min
